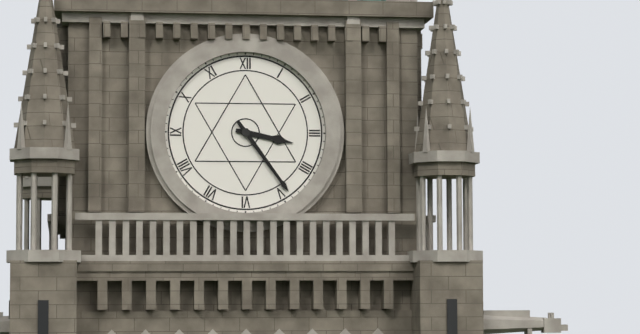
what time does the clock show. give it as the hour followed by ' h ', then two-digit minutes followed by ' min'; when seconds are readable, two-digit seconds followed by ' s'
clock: 3 h 24 min
